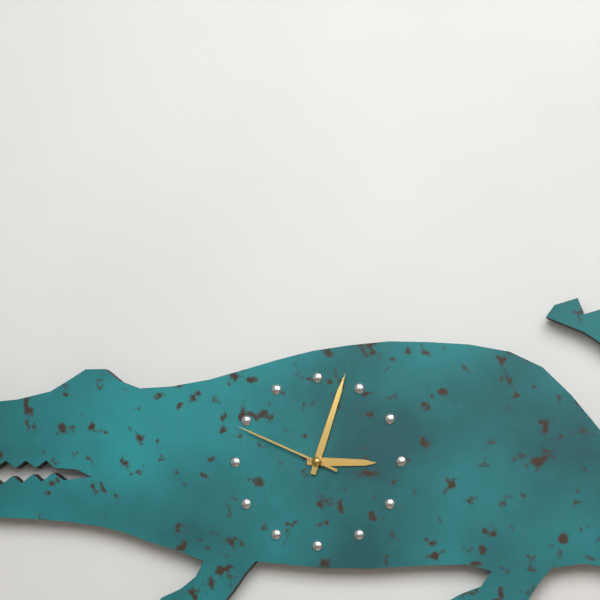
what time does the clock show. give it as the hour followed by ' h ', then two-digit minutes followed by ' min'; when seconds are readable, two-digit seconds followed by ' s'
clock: 3 h 03 min 49 s
